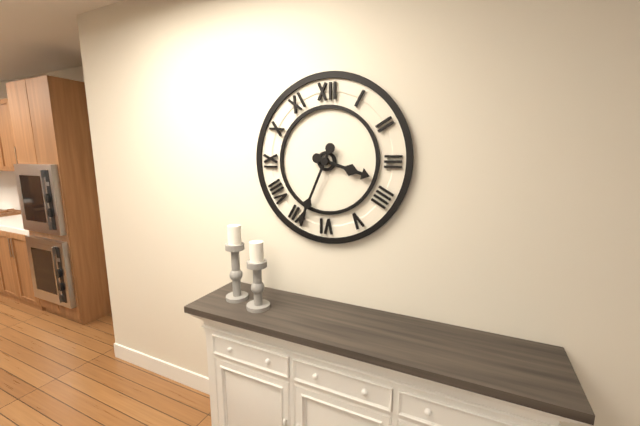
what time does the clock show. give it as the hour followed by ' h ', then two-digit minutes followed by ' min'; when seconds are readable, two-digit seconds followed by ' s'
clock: 3 h 34 min
